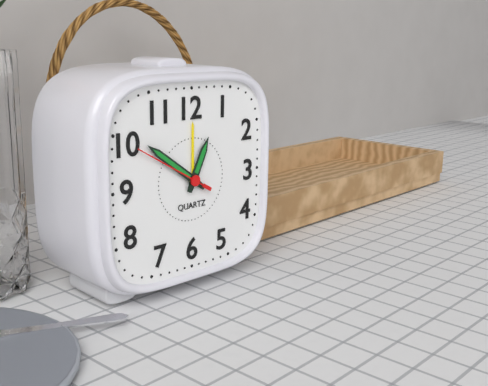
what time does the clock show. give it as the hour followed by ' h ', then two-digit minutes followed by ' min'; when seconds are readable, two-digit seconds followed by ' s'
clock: 12 h 51 min 50 s
